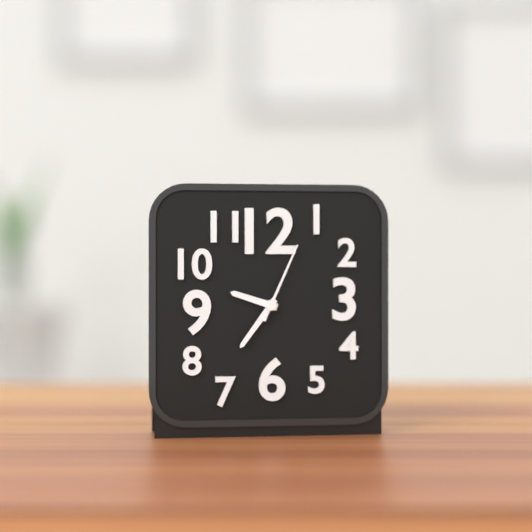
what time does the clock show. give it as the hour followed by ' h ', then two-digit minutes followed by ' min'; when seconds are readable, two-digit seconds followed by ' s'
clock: 9 h 36 min 04 s
